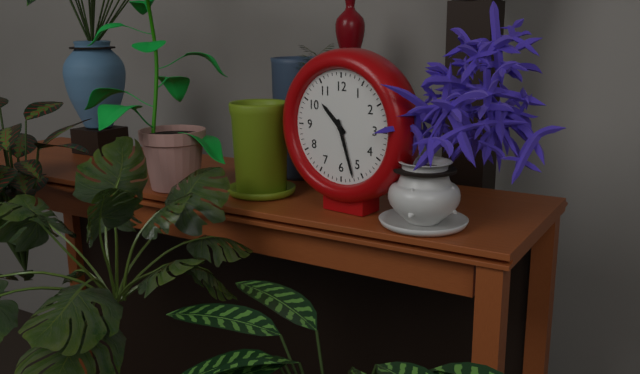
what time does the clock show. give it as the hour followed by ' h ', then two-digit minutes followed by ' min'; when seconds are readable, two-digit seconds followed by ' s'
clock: 10 h 27 min
